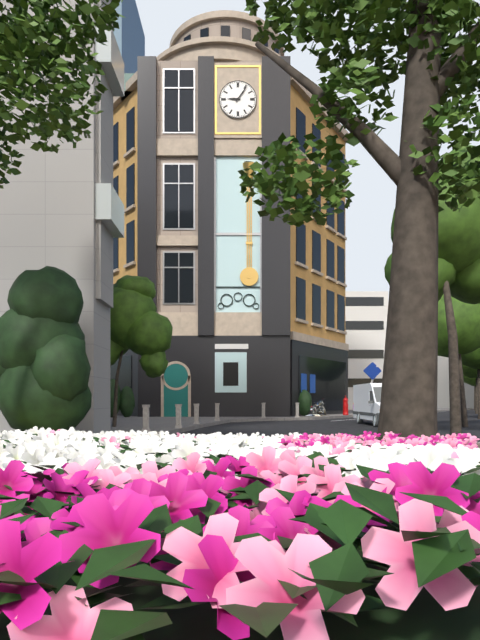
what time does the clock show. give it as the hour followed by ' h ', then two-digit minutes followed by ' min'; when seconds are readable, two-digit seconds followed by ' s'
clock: 9 h 06 min
